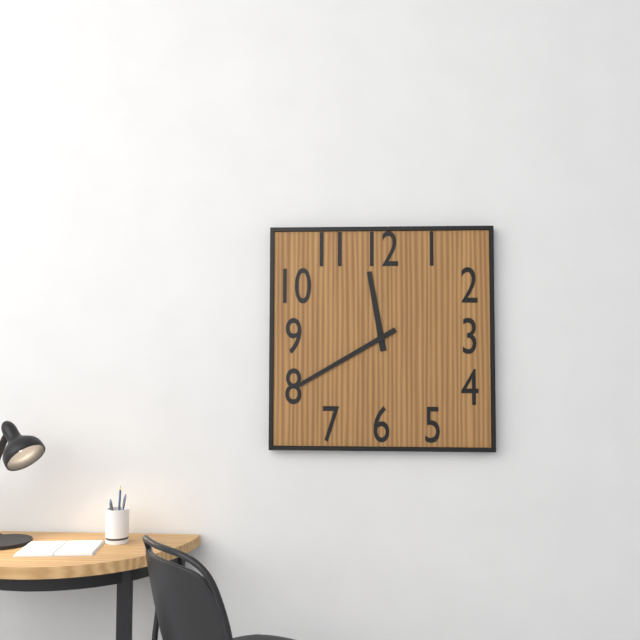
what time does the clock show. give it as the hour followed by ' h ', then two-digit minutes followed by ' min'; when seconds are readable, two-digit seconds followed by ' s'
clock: 11 h 40 min
